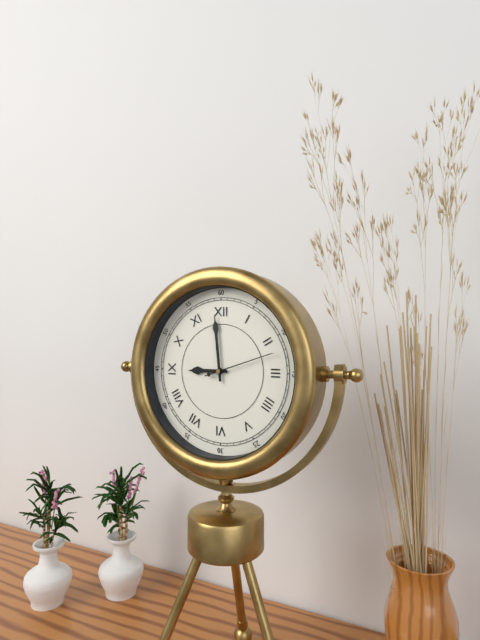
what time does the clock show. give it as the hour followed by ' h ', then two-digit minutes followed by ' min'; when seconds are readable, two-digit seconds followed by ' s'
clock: 8 h 59 min 12 s
